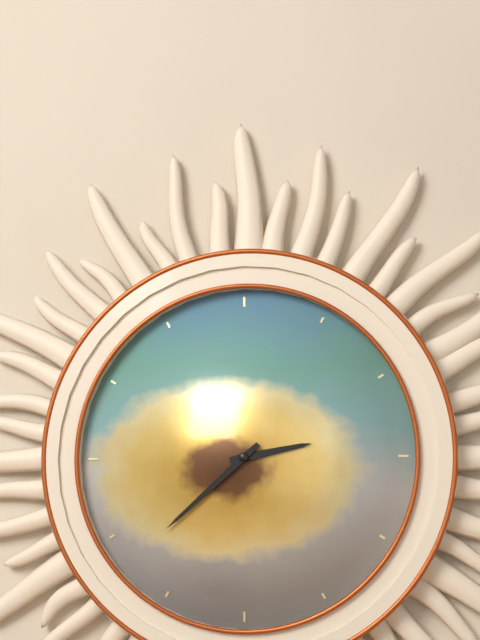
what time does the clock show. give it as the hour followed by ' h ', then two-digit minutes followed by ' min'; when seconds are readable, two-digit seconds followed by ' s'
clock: 2 h 38 min
